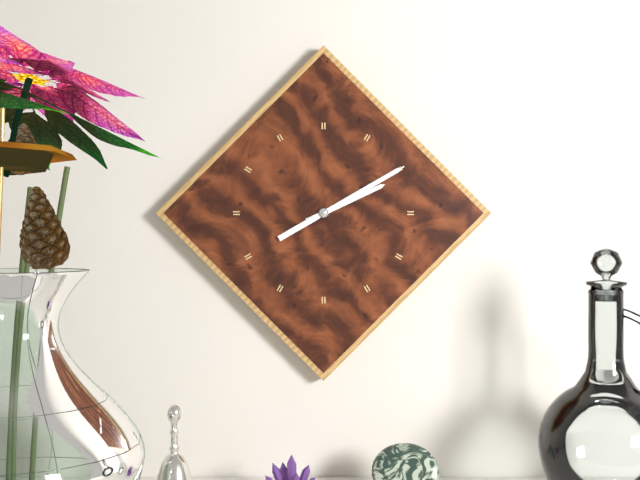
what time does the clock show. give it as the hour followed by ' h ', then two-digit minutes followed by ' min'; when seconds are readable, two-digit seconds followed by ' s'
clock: 2 h 10 min 10 s
